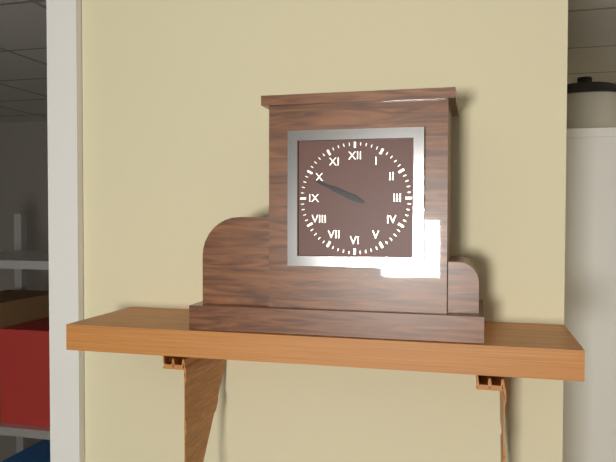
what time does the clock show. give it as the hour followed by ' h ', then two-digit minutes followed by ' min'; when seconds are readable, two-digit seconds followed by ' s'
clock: 9 h 49 min
